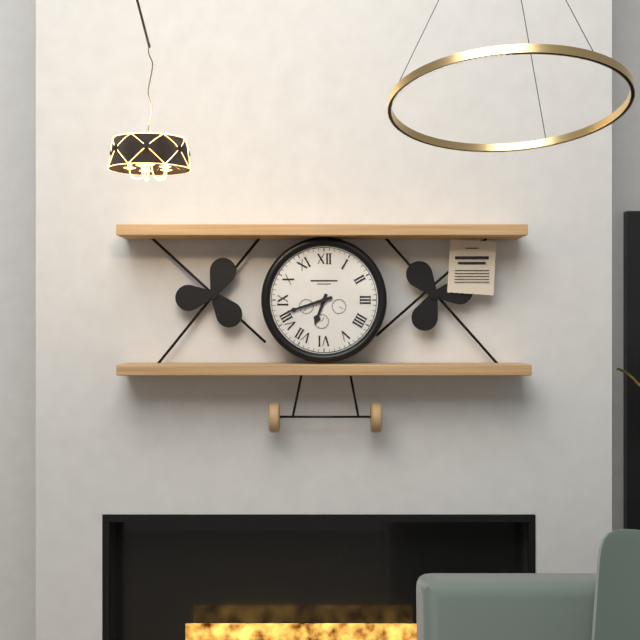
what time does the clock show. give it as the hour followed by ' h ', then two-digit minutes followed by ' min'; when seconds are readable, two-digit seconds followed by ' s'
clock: 6 h 42 min
